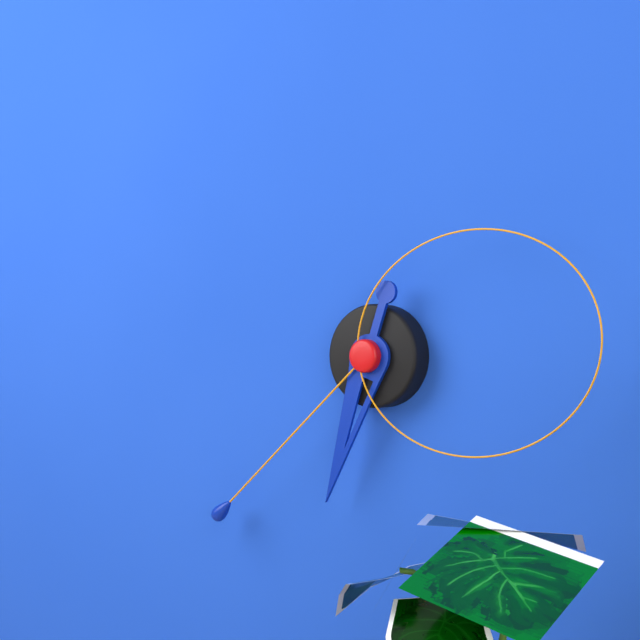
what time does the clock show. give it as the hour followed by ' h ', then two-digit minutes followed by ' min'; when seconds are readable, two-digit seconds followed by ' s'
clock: 6 h 38 min 14 s
